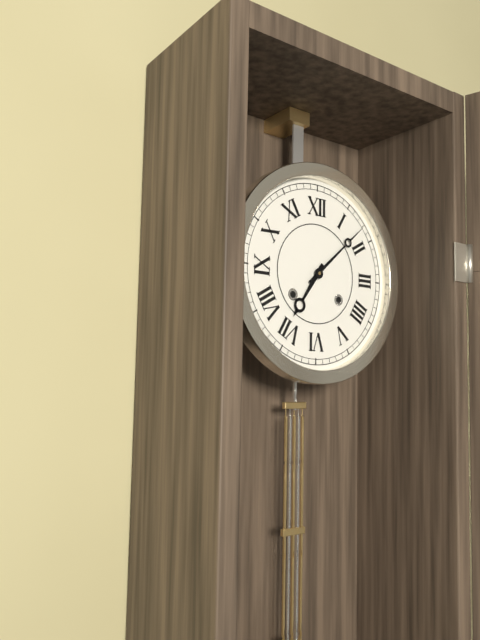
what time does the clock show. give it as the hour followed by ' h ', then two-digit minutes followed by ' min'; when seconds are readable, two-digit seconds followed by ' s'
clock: 7 h 08 min
